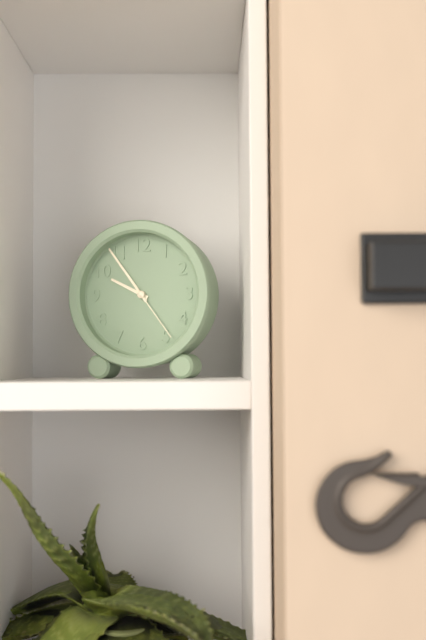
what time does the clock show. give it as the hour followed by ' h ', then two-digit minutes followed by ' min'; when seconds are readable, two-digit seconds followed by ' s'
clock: 9 h 54 min 24 s
